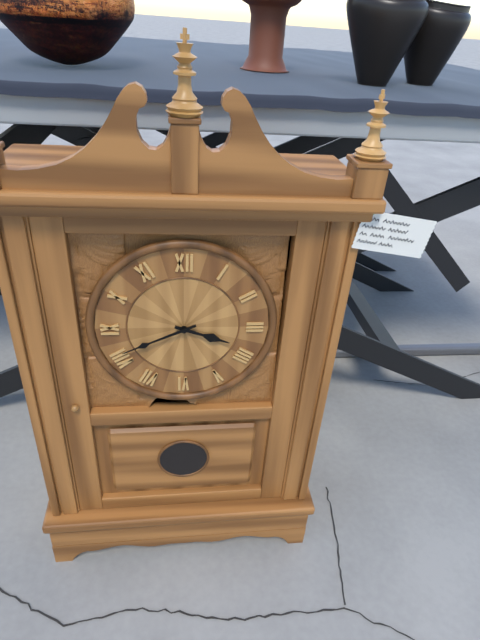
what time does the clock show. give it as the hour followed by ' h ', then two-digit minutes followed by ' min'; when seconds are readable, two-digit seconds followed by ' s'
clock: 3 h 41 min
